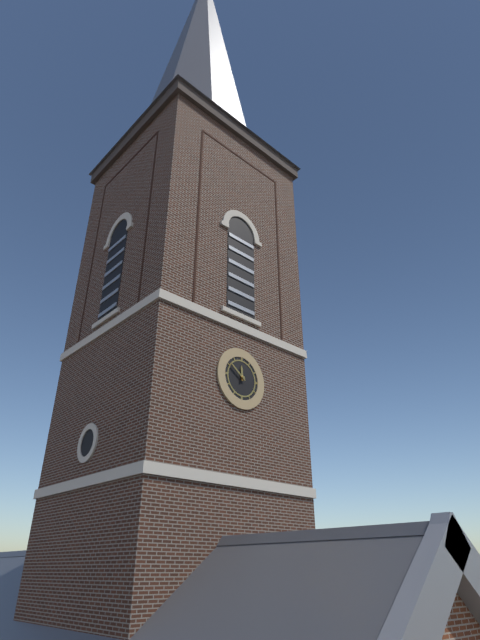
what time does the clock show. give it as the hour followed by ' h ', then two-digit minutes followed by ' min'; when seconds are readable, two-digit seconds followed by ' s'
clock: 11 h 51 min
